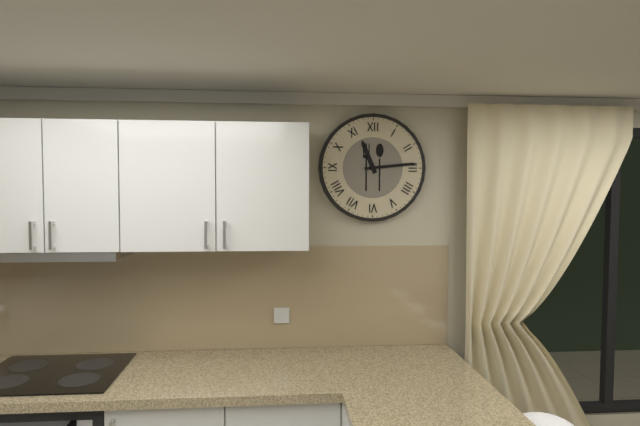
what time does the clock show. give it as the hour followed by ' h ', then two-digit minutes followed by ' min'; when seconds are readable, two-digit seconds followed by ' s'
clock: 11 h 14 min
